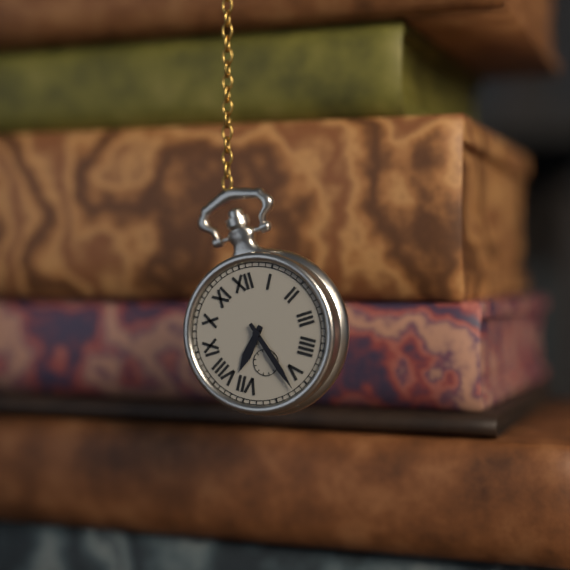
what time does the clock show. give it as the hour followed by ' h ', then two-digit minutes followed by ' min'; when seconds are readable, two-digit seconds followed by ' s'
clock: 7 h 27 min
